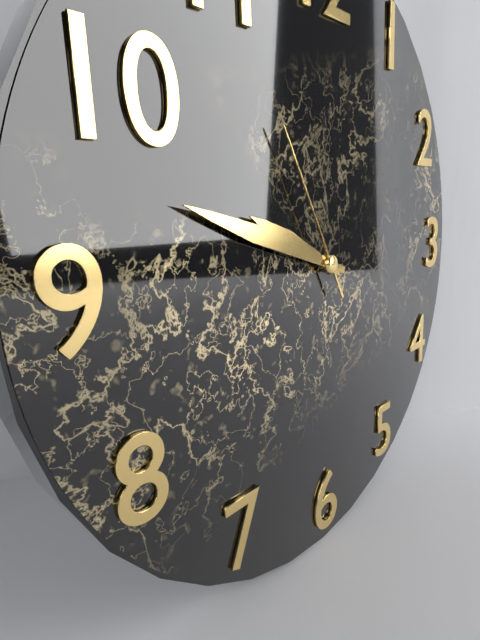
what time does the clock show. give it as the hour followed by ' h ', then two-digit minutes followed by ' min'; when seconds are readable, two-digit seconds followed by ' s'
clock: 9 h 48 min 55 s
